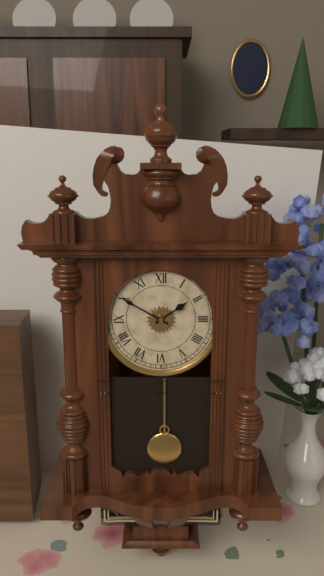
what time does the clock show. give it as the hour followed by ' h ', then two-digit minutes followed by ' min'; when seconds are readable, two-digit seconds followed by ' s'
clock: 1 h 50 min
